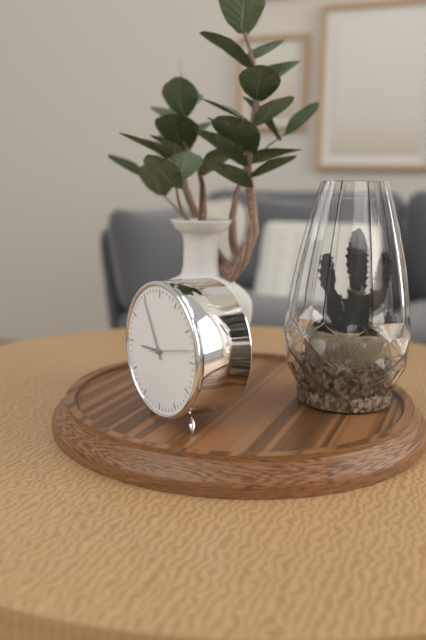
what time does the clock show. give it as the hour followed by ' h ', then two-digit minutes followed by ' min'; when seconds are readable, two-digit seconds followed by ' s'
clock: 8 h 55 min
